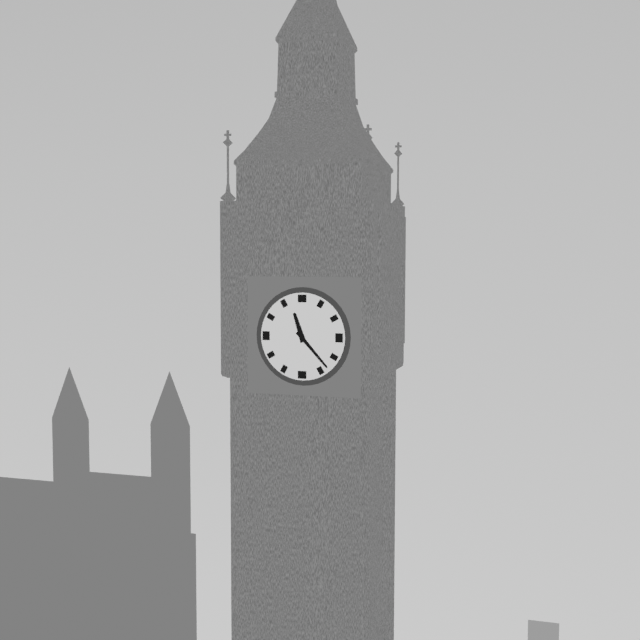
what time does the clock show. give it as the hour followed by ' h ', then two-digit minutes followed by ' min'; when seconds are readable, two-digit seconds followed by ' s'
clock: 11 h 23 min
